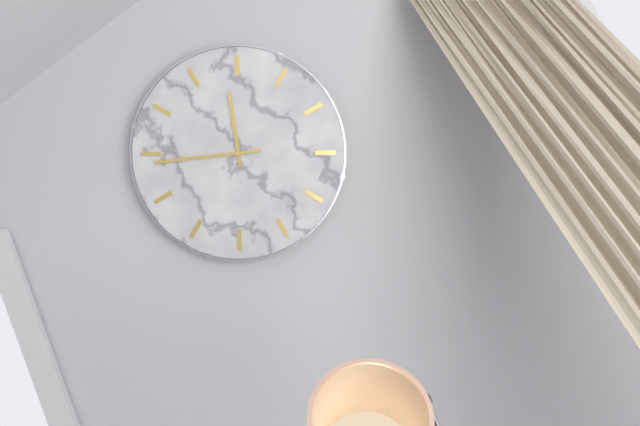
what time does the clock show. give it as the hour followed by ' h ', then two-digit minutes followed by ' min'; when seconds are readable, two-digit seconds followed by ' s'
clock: 11 h 44 min
